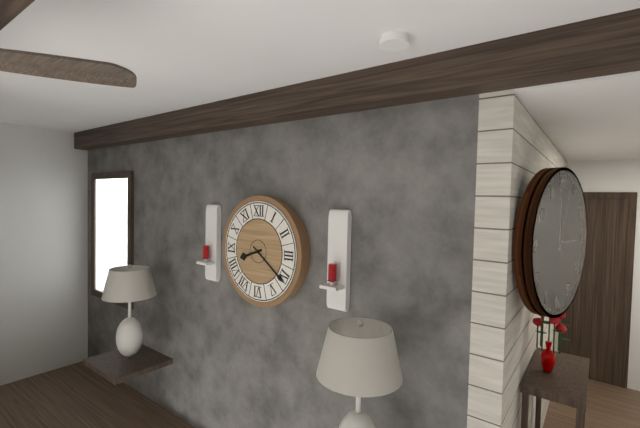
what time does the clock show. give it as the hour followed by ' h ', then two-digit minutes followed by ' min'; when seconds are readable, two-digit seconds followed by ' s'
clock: 8 h 21 min
